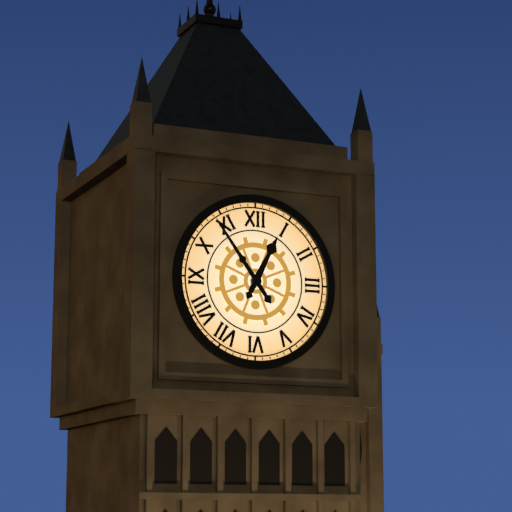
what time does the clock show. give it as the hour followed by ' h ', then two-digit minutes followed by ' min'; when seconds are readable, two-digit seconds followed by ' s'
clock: 12 h 54 min
